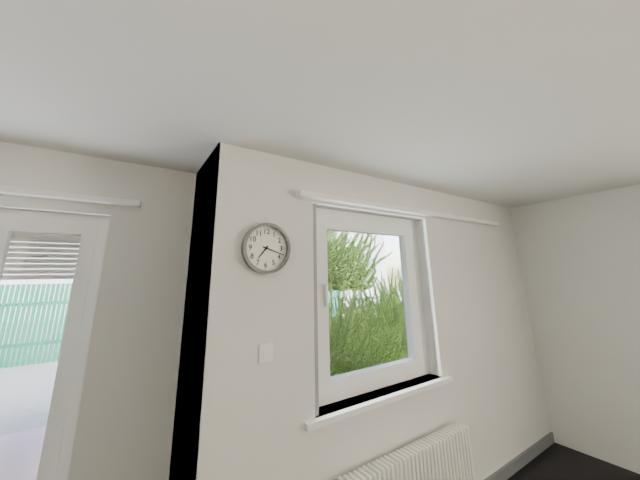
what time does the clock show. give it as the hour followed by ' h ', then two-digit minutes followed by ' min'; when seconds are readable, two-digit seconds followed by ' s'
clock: 7 h 18 min
